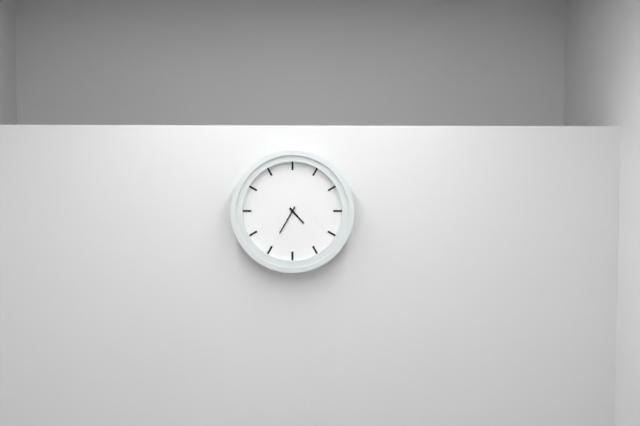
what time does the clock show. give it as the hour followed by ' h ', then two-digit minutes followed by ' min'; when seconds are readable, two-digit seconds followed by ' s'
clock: 4 h 35 min
